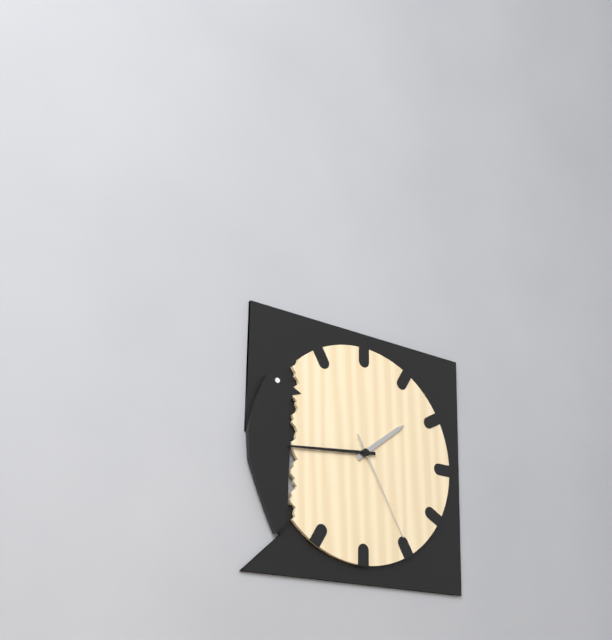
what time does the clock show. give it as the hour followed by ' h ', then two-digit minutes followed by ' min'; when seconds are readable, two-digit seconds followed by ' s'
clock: 1 h 44 min 25 s
